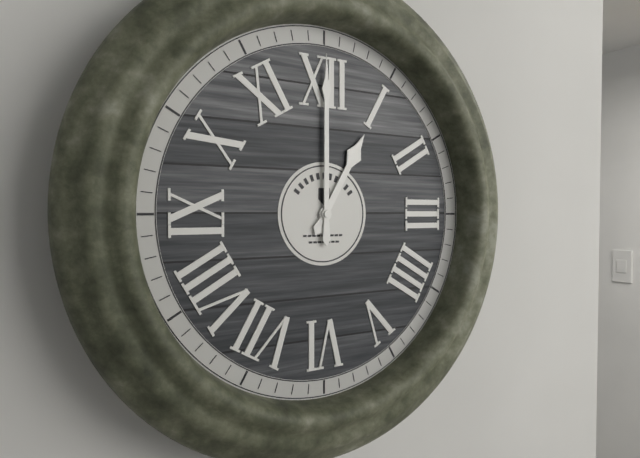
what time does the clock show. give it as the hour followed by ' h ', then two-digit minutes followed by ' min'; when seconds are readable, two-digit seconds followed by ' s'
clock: 1 h 00 min
